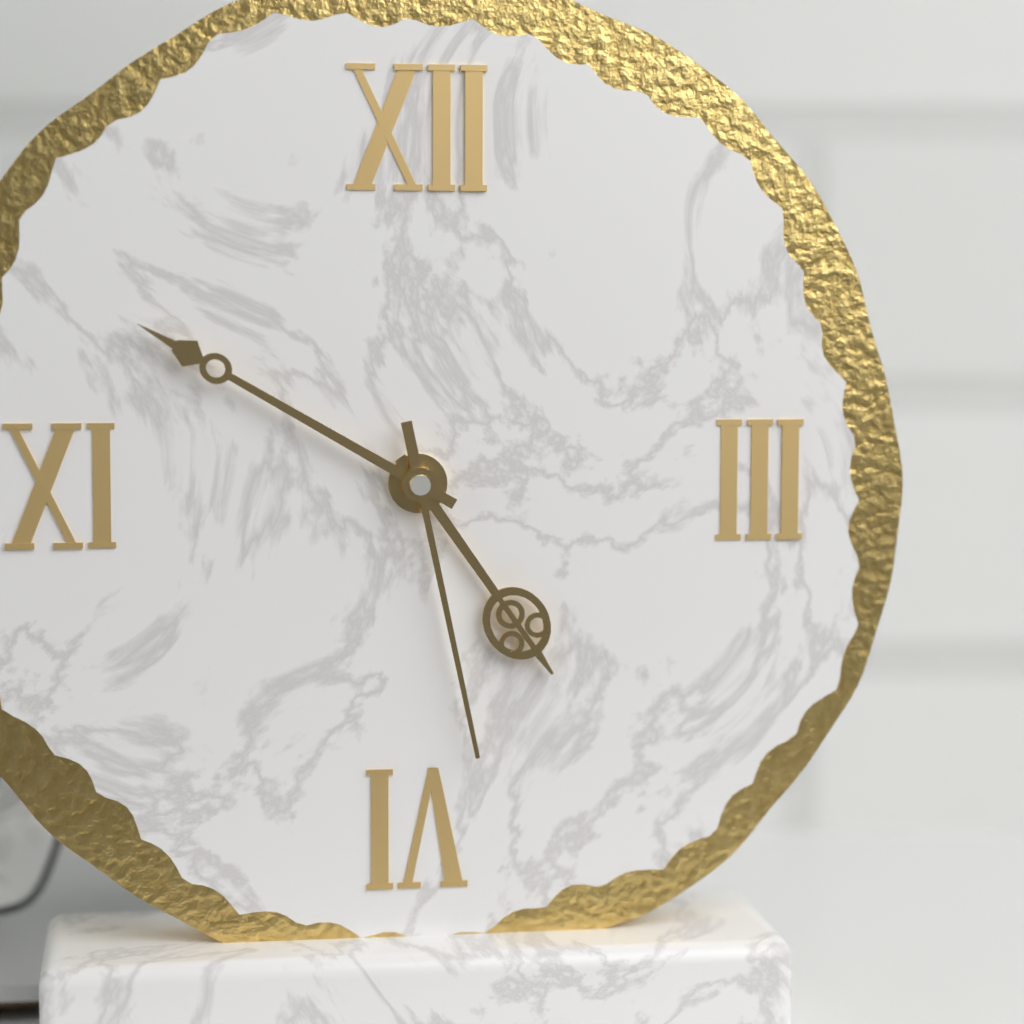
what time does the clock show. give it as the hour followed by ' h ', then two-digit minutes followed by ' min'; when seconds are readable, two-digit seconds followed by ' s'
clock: 4 h 50 min 28 s
